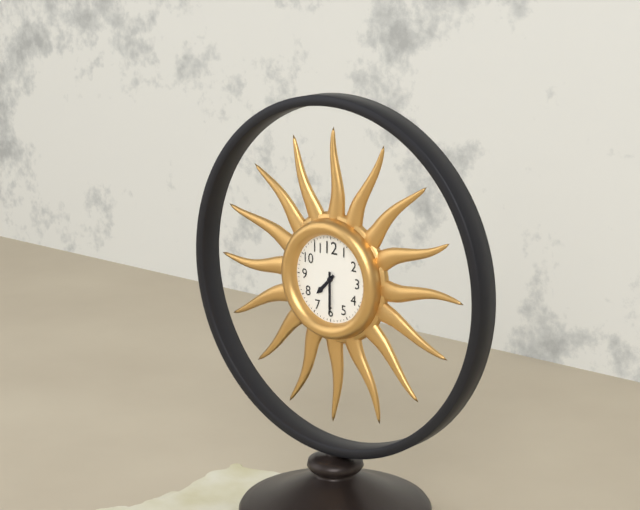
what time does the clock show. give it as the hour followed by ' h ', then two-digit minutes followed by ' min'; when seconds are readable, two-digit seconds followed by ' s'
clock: 7 h 30 min
